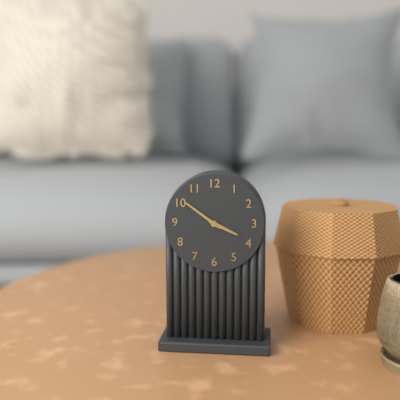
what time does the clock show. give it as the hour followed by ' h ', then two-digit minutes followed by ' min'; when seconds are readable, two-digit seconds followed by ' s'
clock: 3 h 51 min
